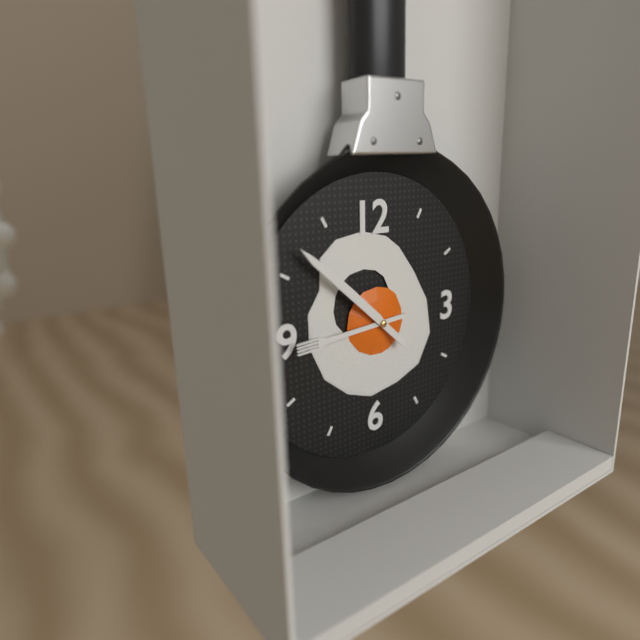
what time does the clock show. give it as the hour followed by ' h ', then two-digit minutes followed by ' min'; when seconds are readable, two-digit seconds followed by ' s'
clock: 8 h 52 min
